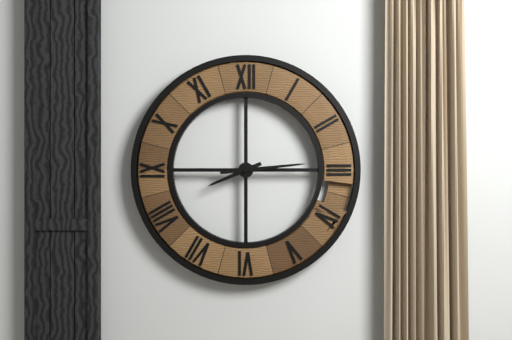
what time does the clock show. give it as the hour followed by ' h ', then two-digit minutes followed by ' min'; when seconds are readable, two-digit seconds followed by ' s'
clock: 8 h 14 min
